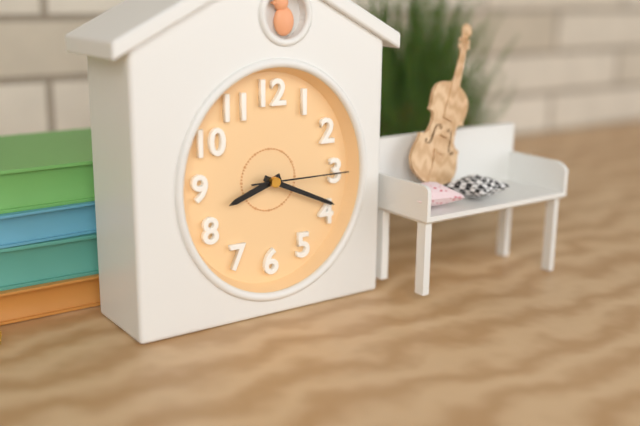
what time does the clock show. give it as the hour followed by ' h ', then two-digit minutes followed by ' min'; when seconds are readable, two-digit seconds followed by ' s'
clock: 8 h 19 min 15 s
